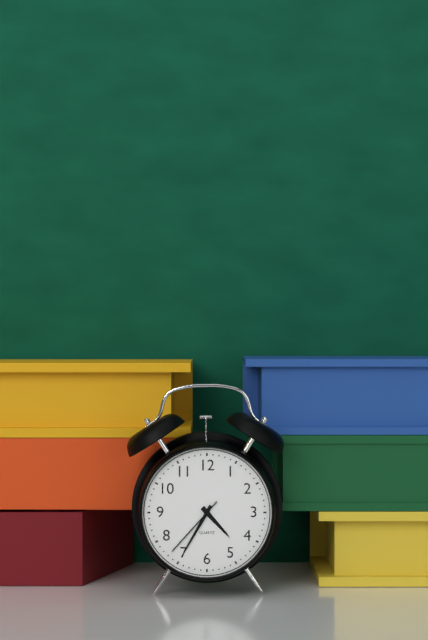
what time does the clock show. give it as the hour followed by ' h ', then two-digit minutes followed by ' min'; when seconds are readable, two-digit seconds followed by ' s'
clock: 4 h 35 min 37 s
